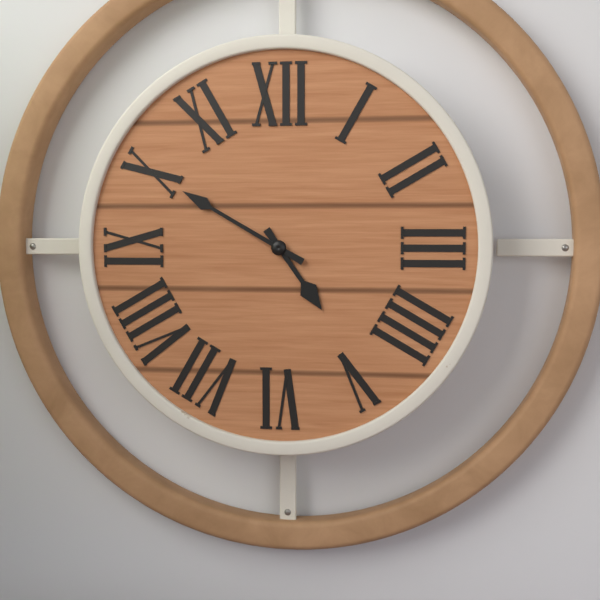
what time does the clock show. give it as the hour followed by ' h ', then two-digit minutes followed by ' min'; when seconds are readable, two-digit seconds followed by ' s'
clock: 4 h 50 min
